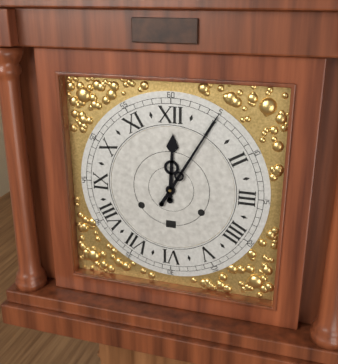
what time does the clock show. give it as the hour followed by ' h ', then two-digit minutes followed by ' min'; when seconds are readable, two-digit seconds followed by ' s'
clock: 12 h 05 min
